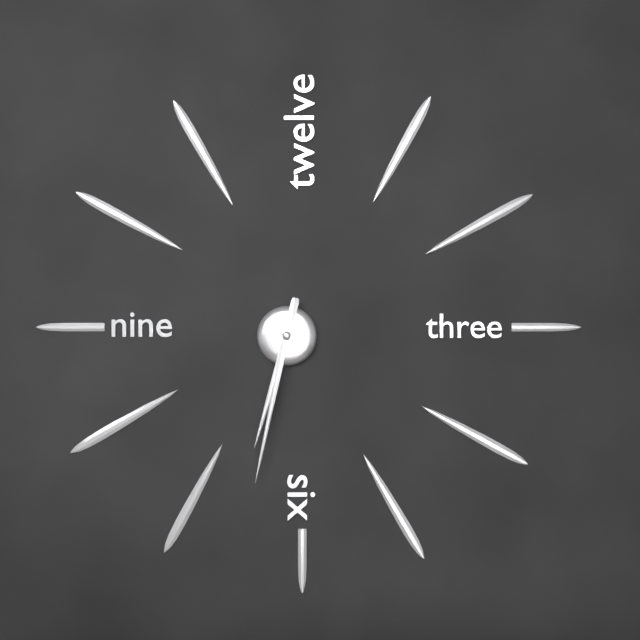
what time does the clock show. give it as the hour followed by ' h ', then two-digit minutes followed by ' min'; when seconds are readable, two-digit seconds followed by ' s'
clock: 6 h 32 min
